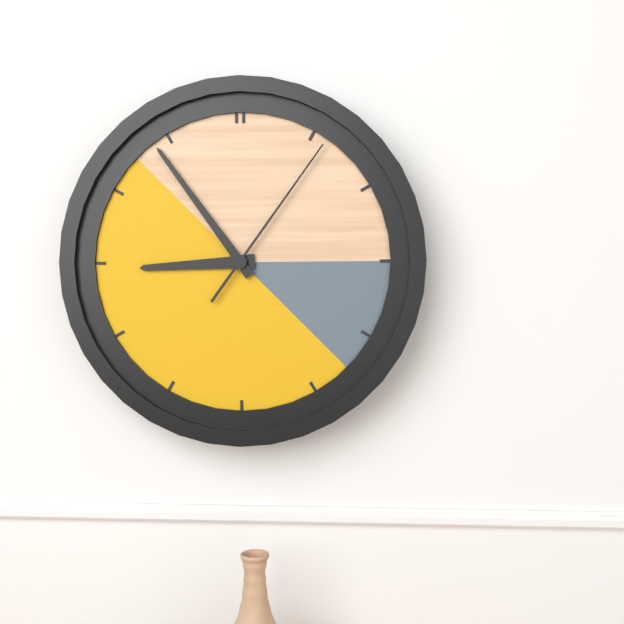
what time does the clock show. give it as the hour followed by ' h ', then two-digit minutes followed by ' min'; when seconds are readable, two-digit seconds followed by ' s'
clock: 8 h 54 min 06 s
